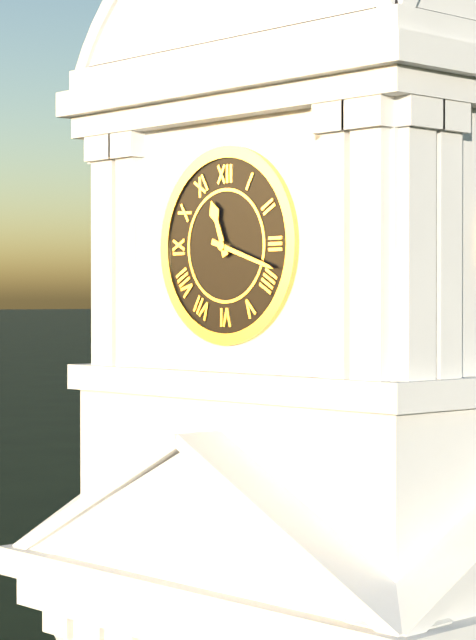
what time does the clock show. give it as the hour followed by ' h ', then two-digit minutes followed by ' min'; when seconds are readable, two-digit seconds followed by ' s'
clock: 11 h 18 min
